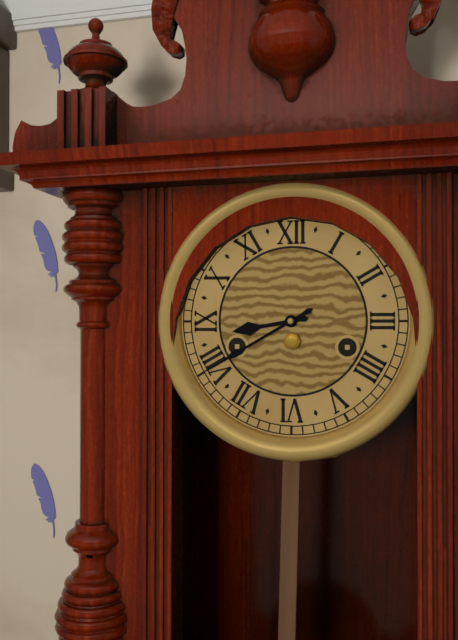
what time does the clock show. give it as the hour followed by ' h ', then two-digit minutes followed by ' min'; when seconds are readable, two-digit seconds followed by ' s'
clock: 8 h 40 min
